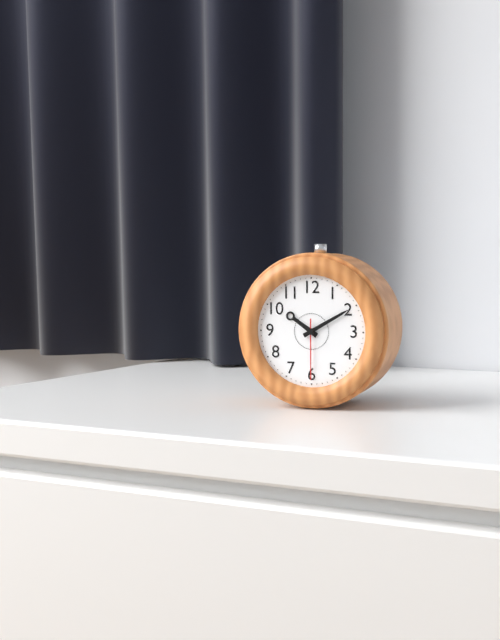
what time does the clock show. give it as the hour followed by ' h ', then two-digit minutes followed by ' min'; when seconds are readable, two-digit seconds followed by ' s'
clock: 10 h 10 min 30 s
